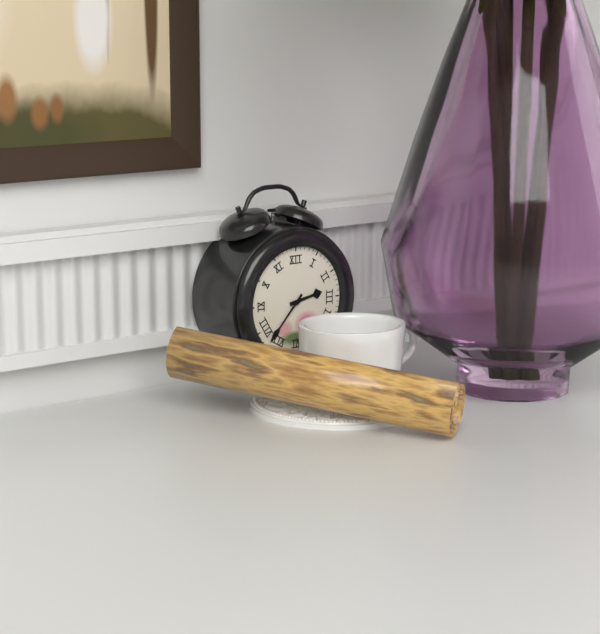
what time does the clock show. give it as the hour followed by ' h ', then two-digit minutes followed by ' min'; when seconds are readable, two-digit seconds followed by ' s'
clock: 2 h 37 min
